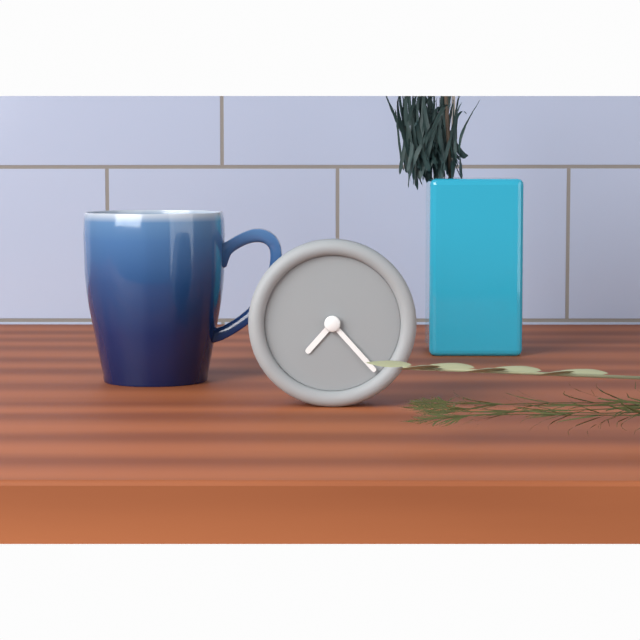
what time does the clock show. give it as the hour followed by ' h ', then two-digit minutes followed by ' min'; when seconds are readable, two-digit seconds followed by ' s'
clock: 7 h 23 min
